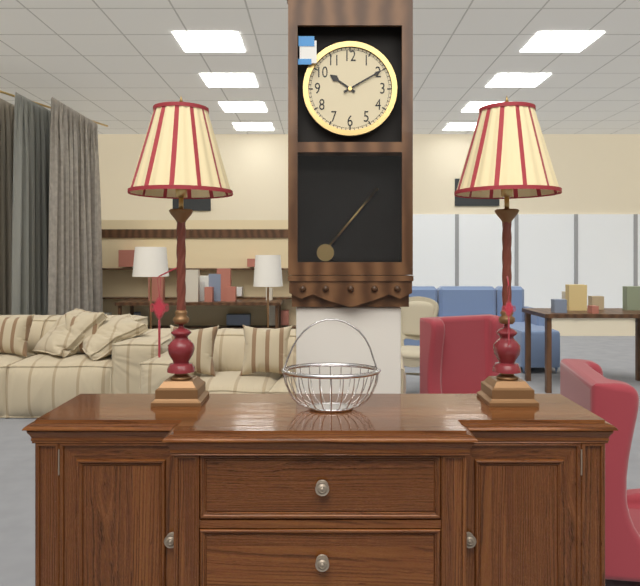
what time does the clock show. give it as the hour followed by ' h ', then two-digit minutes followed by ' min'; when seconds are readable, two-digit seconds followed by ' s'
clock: 10 h 10 min
